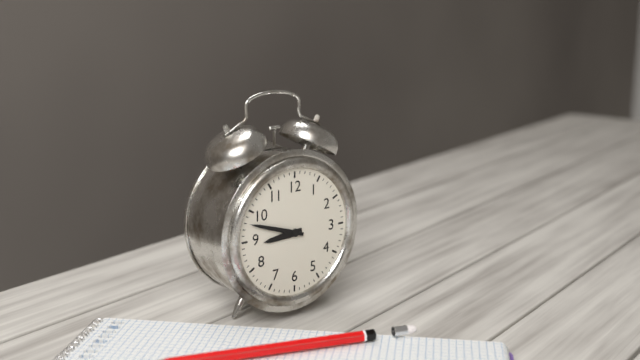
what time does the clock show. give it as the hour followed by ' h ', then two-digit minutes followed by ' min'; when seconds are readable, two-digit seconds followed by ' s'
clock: 8 h 48 min
